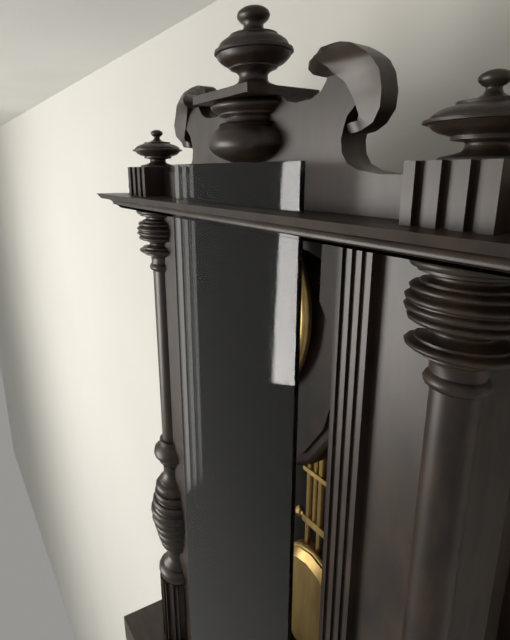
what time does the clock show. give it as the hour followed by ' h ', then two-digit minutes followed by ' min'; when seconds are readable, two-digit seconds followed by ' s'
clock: 10 h 31 min
